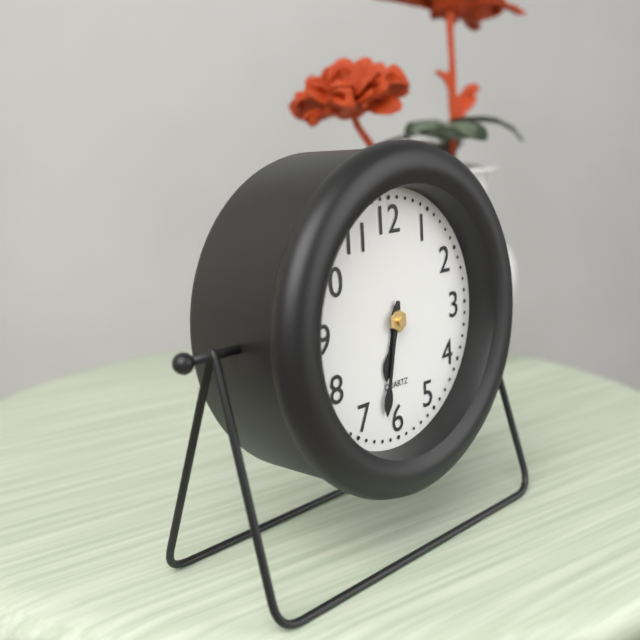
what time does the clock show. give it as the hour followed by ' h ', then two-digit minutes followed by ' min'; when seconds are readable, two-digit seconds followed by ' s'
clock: 6 h 32 min
